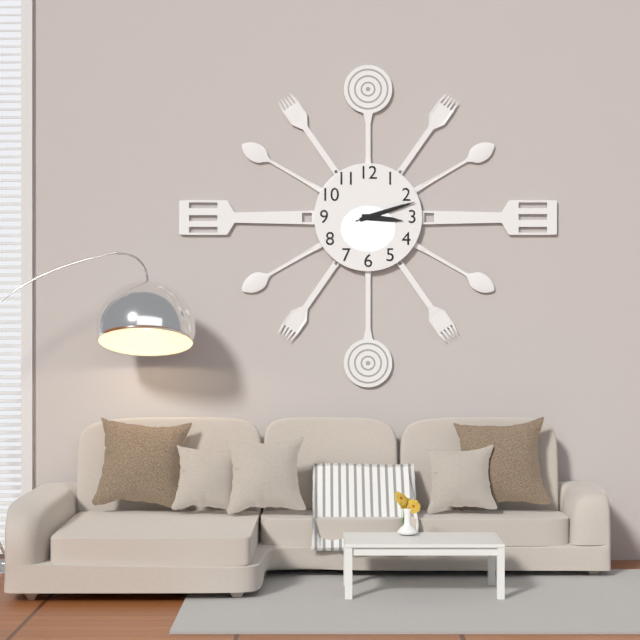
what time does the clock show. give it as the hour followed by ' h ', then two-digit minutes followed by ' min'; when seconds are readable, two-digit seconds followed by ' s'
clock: 3 h 12 min 12 s
